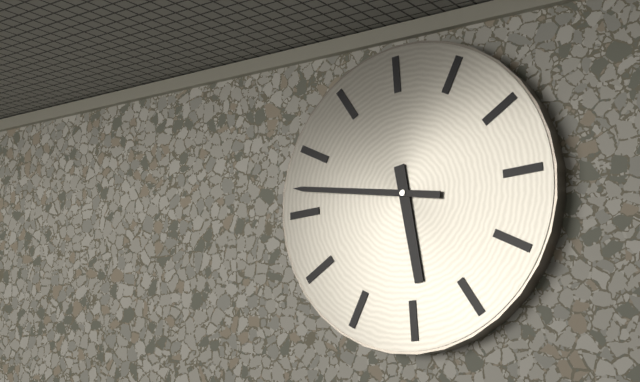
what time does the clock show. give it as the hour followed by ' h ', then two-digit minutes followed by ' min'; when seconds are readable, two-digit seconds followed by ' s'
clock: 5 h 47 min
